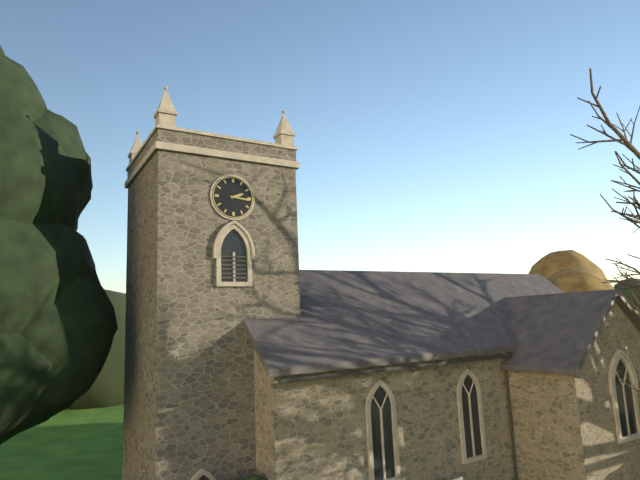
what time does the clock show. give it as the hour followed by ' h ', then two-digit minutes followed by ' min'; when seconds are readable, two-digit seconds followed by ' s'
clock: 2 h 16 min
